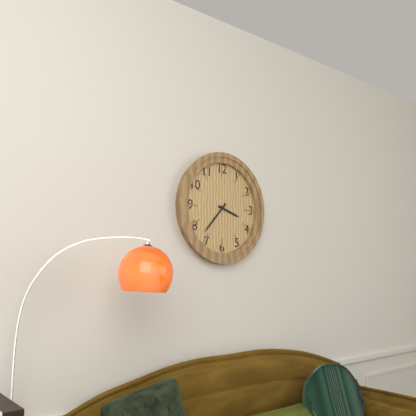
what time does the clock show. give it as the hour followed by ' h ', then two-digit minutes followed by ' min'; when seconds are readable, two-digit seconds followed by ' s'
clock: 3 h 37 min
